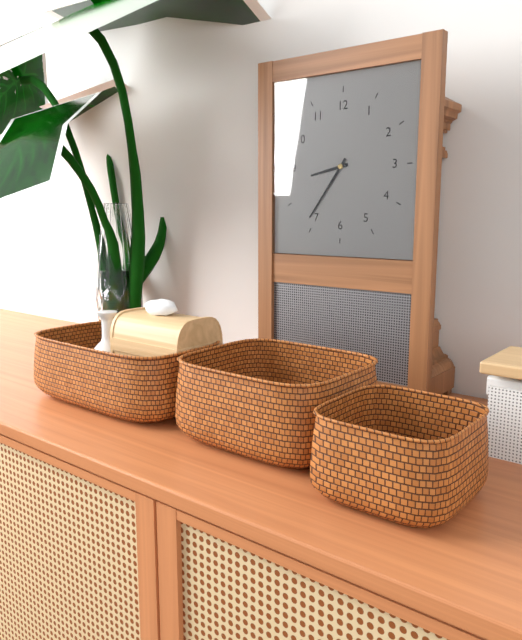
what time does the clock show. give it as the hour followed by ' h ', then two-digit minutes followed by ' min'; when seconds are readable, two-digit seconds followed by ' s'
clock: 8 h 36 min
